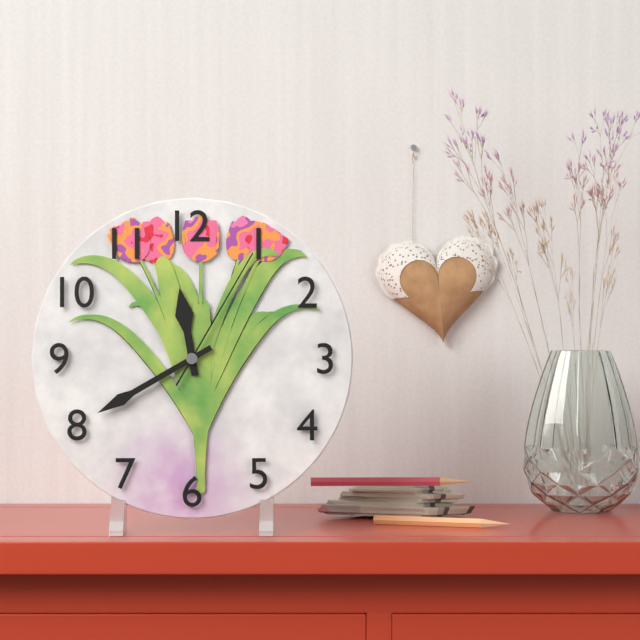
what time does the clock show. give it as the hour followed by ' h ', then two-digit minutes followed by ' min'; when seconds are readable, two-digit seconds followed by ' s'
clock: 11 h 40 min 05 s
